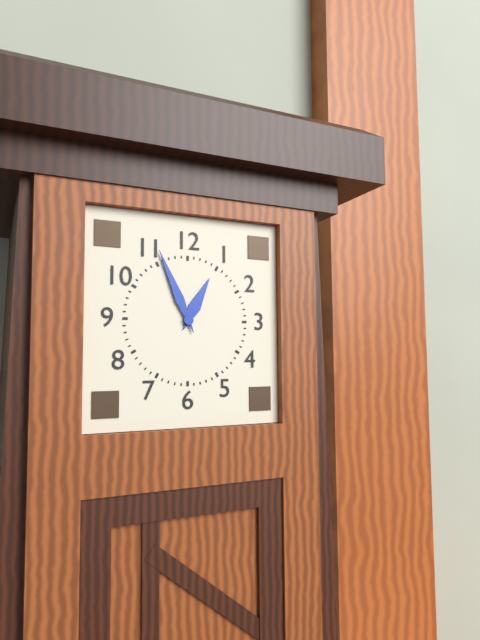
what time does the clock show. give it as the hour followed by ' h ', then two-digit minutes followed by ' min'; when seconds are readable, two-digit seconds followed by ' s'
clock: 12 h 56 min
